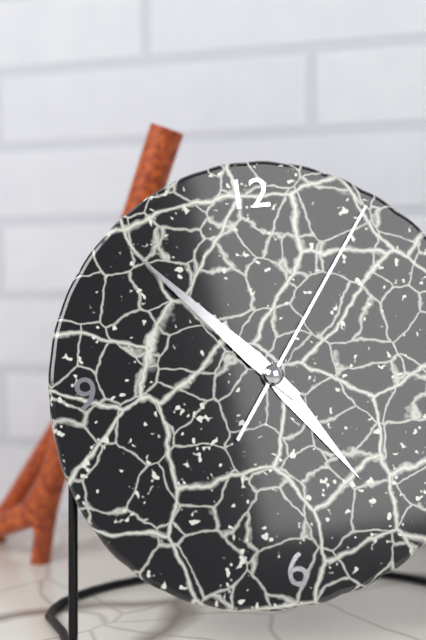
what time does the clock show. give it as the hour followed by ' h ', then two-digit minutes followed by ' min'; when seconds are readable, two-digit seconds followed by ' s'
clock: 4 h 53 min 06 s
